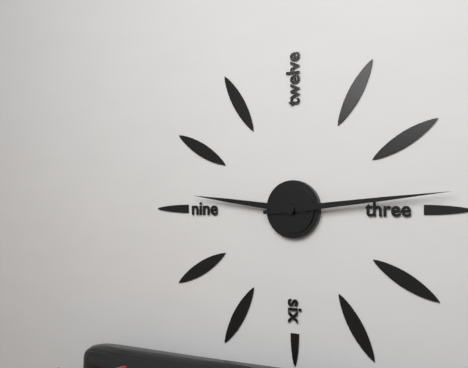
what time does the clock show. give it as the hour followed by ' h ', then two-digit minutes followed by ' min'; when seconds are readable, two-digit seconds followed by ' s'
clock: 9 h 14 min
